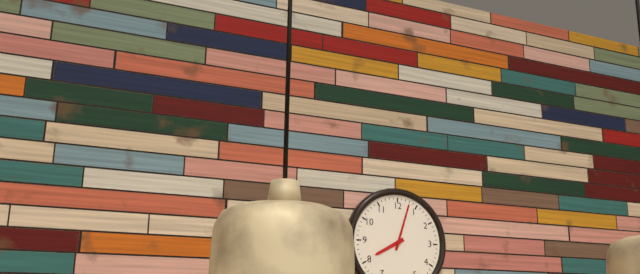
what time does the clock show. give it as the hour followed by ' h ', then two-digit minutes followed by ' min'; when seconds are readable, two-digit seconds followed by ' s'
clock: 8 h 03 min
